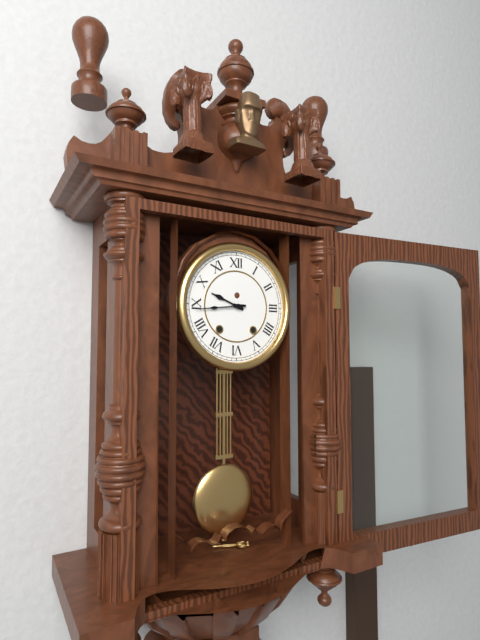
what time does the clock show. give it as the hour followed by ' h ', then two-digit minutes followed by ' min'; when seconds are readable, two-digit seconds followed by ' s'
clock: 9 h 44 min
